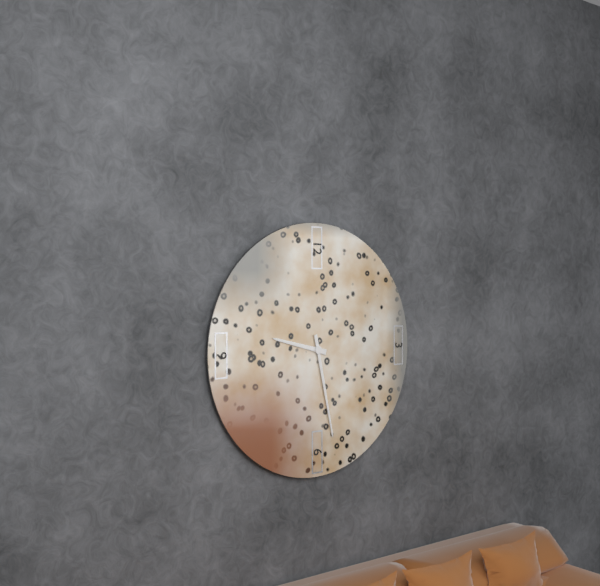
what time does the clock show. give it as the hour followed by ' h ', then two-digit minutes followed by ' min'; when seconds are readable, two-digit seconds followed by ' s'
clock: 9 h 28 min
